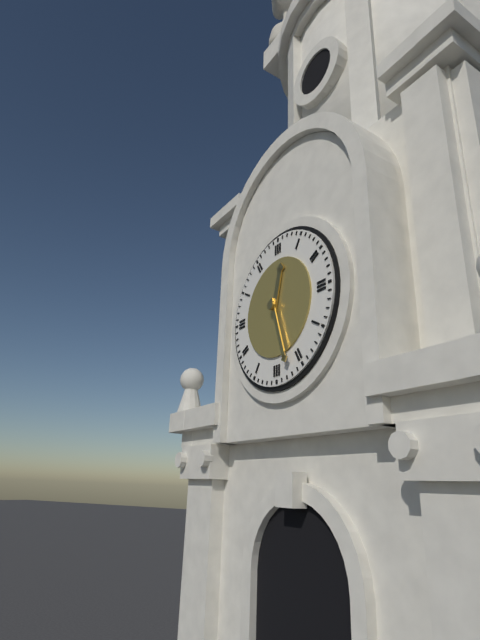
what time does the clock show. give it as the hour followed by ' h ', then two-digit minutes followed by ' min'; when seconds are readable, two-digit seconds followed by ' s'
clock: 12 h 27 min
